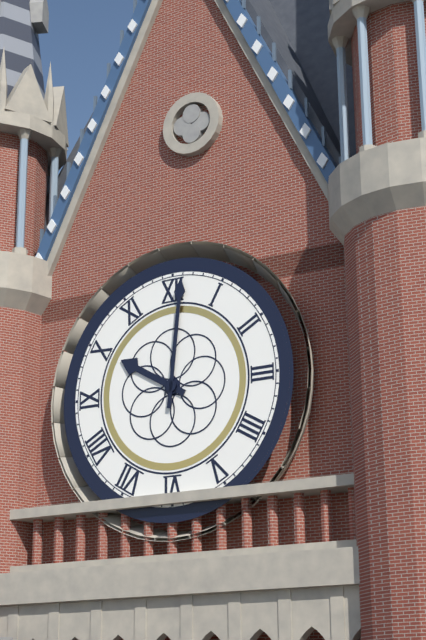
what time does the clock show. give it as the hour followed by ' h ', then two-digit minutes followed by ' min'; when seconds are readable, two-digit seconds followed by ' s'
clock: 10 h 01 min
